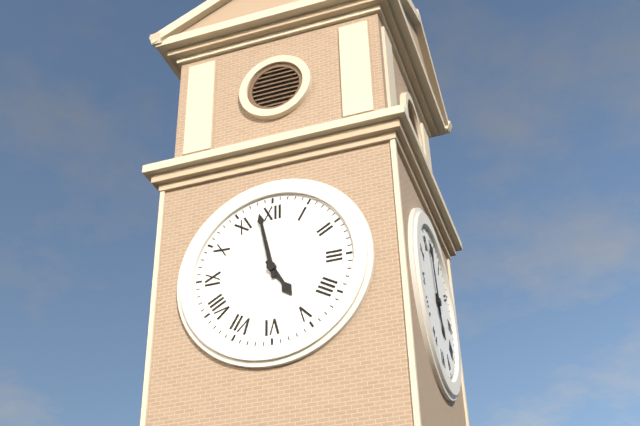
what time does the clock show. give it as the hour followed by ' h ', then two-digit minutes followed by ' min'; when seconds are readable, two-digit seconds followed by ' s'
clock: 4 h 58 min
